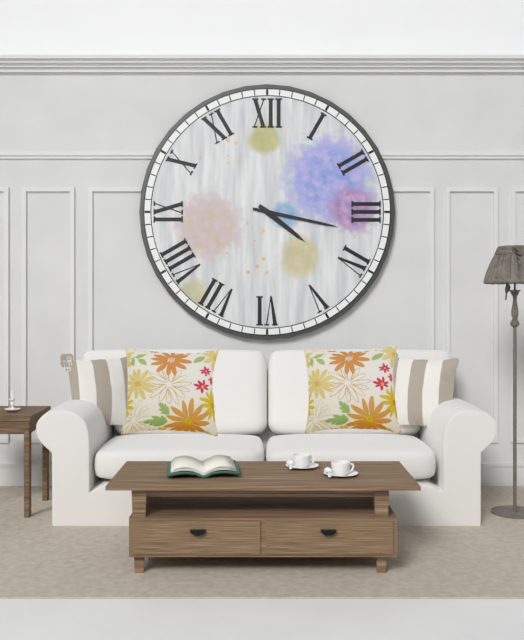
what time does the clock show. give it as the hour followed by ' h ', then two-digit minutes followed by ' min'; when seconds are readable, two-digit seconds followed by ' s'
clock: 4 h 17 min
